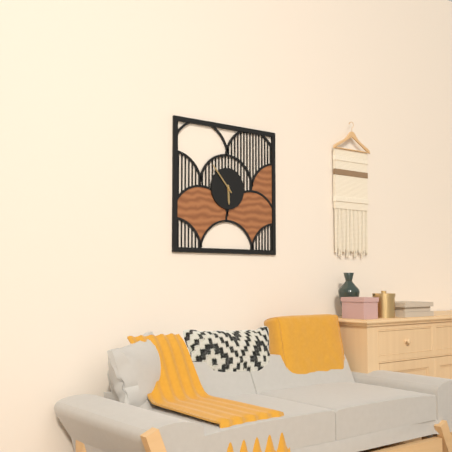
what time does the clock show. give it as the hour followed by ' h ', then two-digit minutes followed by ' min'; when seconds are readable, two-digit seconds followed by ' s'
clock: 5 h 53 min
